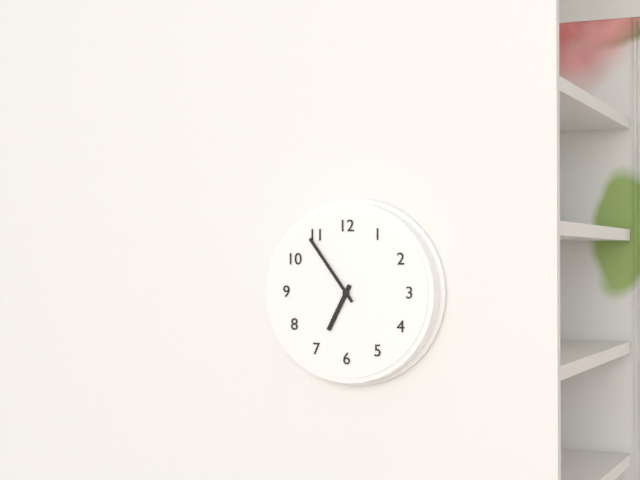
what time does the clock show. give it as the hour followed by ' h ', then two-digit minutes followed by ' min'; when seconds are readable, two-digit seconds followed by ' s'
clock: 6 h 54 min
